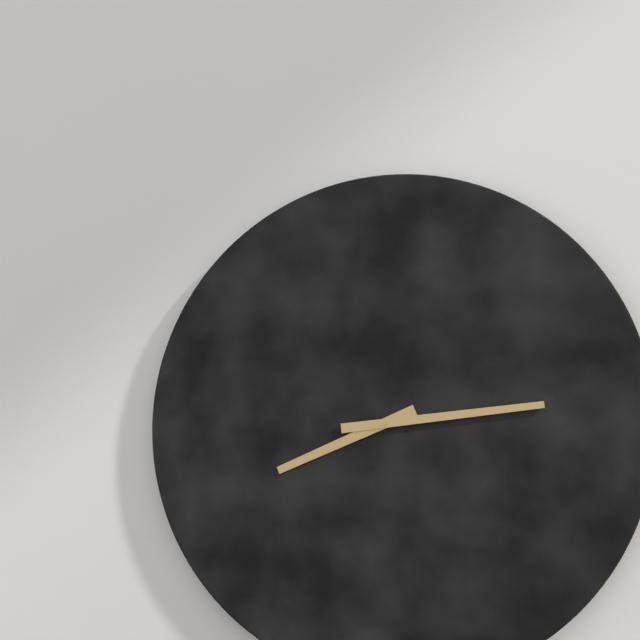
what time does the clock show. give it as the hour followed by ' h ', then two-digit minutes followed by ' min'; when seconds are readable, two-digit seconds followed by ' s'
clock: 8 h 14 min
